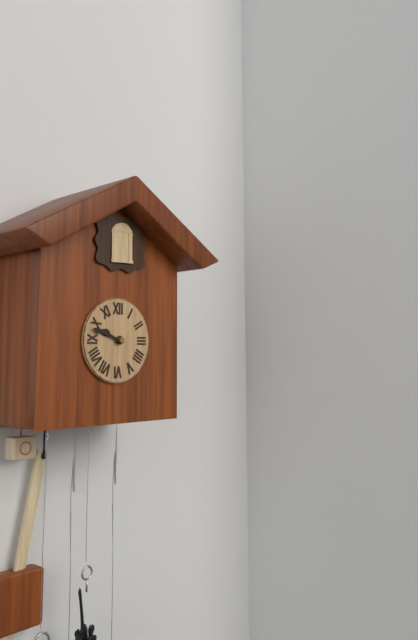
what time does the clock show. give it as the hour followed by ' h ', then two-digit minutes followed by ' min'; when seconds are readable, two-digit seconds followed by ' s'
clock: 9 h 48 min
